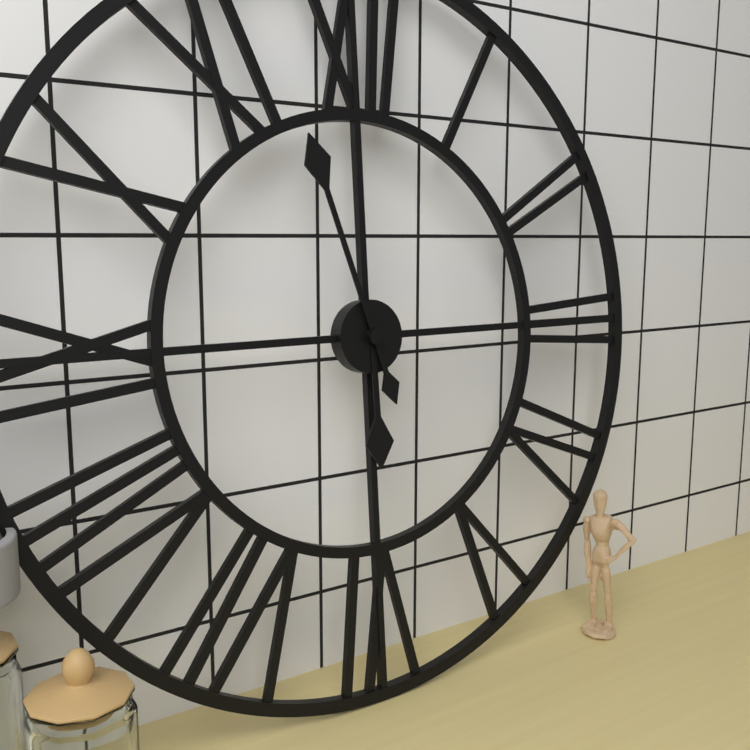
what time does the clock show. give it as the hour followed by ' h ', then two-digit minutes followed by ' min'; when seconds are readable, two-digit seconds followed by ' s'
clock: 5 h 57 min
